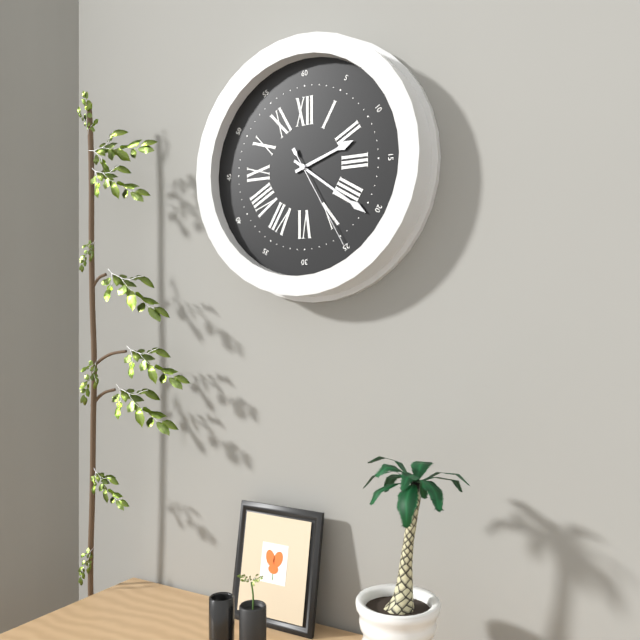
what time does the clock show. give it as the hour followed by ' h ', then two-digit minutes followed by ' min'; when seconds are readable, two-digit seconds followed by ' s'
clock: 2 h 21 min 25 s
